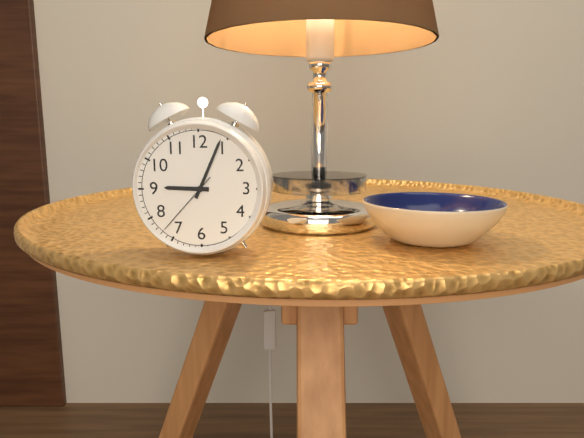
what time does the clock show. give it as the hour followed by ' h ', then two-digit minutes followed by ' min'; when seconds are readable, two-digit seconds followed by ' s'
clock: 9 h 04 min 37 s
